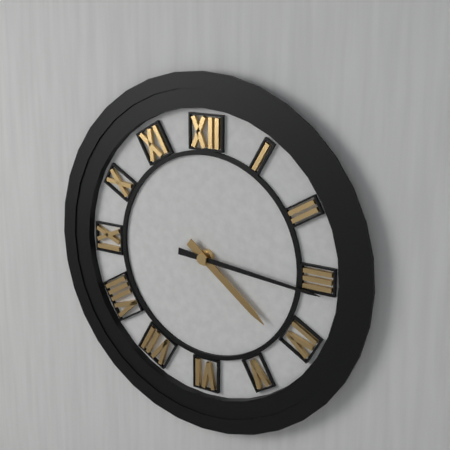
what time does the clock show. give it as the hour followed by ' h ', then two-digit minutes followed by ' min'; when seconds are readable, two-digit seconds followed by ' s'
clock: 4 h 16 min
